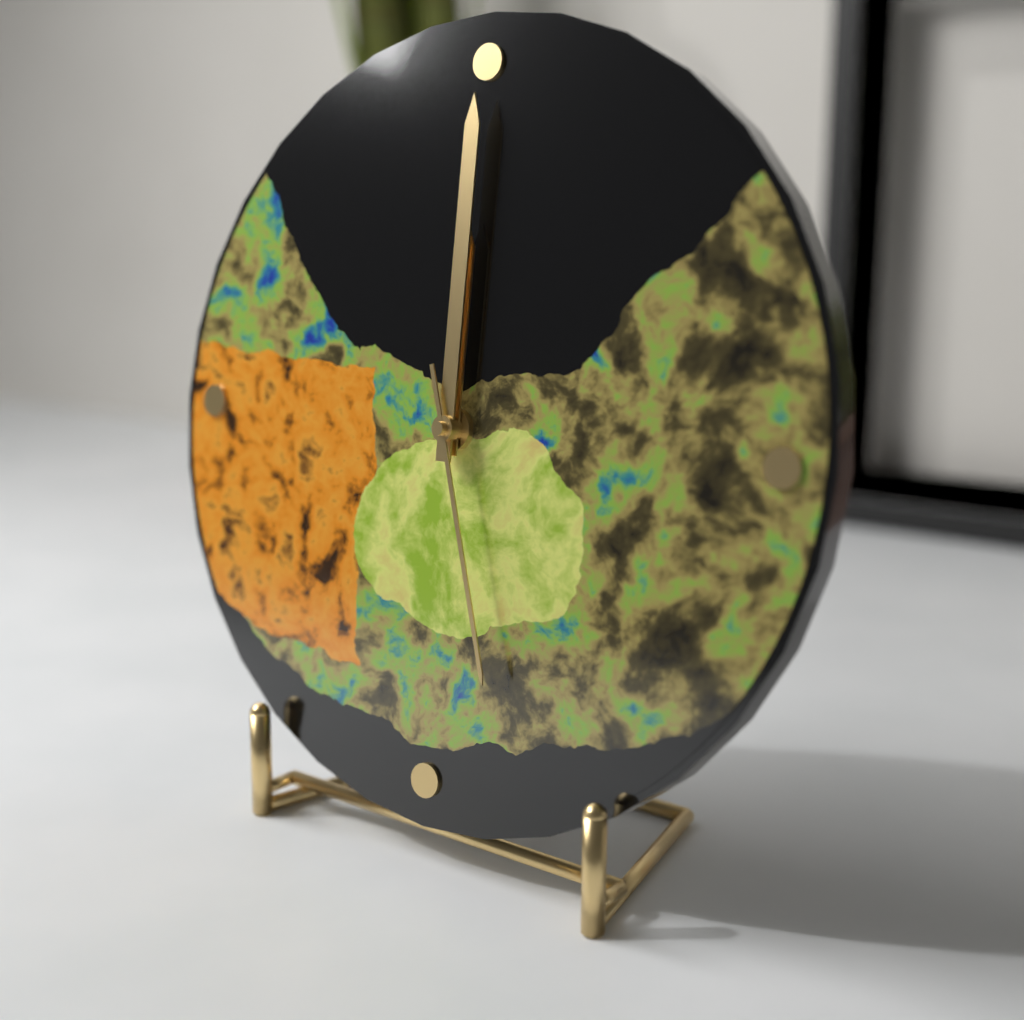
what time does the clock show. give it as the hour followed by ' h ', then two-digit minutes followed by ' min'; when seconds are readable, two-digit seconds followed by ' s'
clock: 12 h 00 min 27 s
